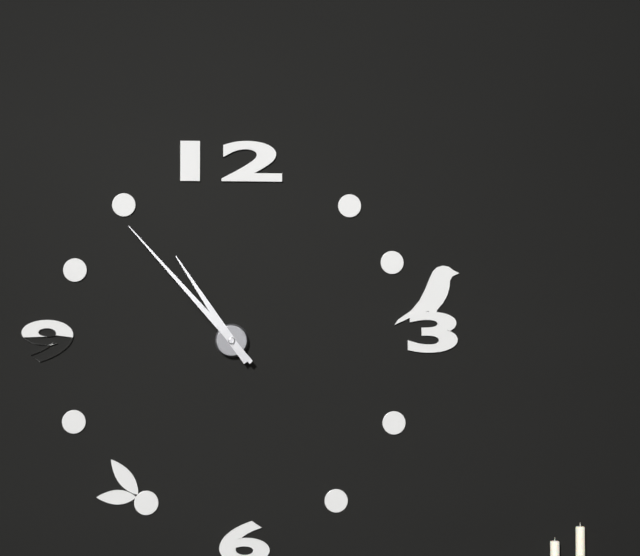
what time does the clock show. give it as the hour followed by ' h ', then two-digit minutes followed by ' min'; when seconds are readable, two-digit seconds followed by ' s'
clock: 10 h 53 min
